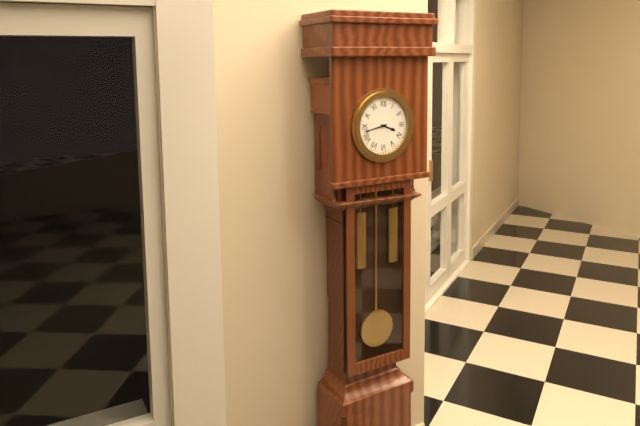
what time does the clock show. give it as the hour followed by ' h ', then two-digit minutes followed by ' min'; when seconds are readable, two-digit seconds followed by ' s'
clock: 3 h 43 min
